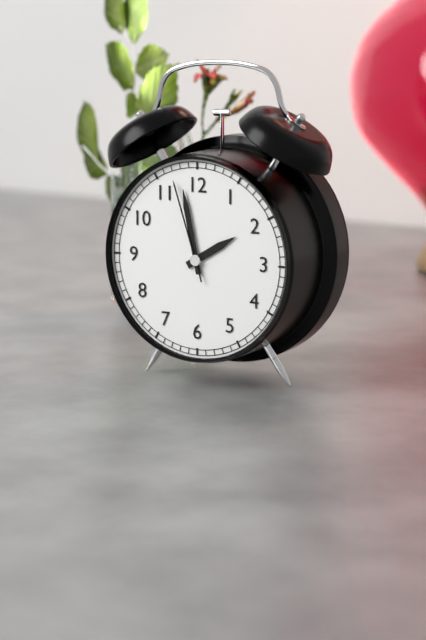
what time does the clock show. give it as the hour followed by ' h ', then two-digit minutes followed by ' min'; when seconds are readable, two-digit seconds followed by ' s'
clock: 1 h 58 min 57 s
